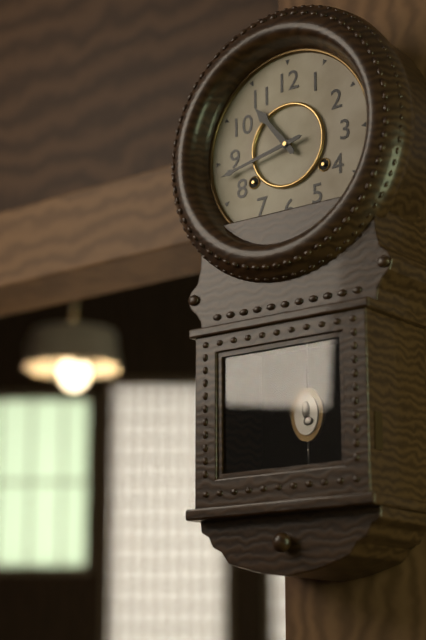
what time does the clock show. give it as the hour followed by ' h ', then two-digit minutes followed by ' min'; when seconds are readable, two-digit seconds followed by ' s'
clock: 10 h 43 min
